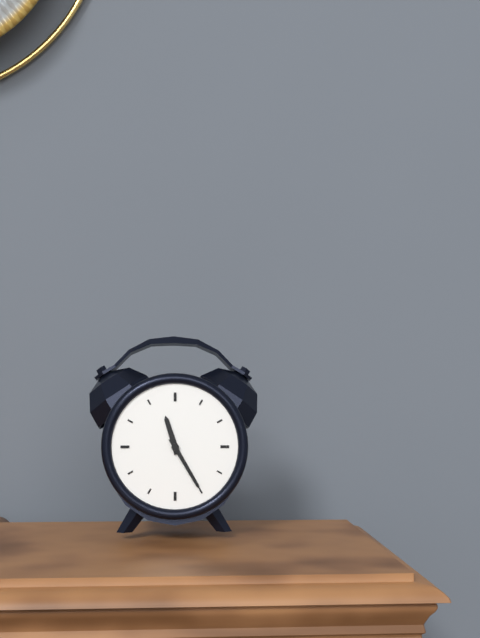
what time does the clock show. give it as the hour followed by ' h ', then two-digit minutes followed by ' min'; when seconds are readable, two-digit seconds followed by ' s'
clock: 11 h 25 min
